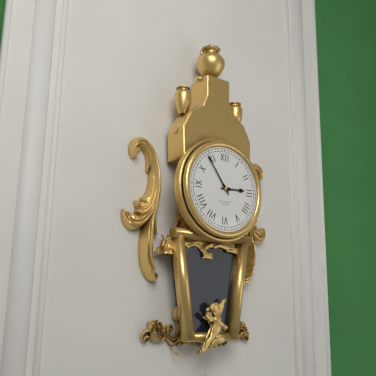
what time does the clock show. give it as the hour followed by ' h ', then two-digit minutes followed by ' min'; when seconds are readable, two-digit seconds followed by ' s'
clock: 2 h 54 min
